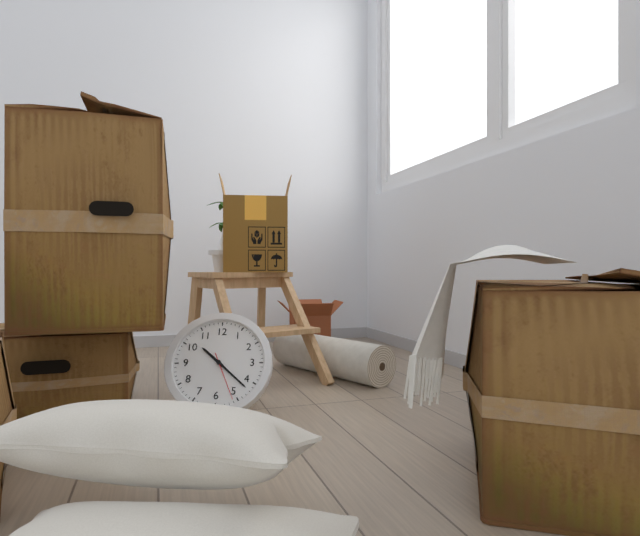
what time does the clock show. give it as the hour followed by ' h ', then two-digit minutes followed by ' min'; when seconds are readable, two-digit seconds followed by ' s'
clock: 10 h 22 min
